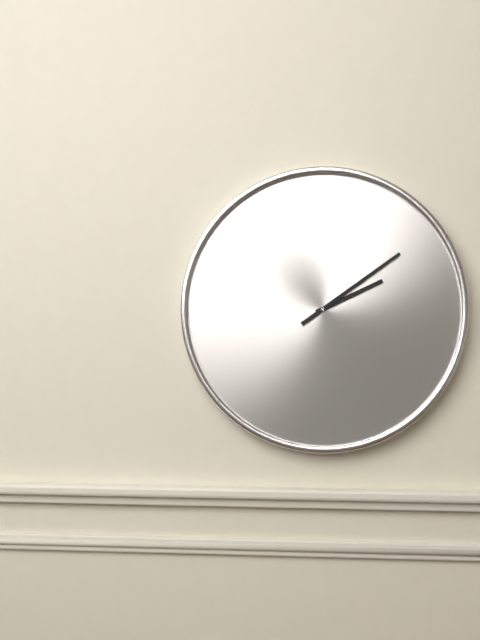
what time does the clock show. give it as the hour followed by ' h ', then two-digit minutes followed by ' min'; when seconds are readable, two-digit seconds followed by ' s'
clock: 2 h 09 min
